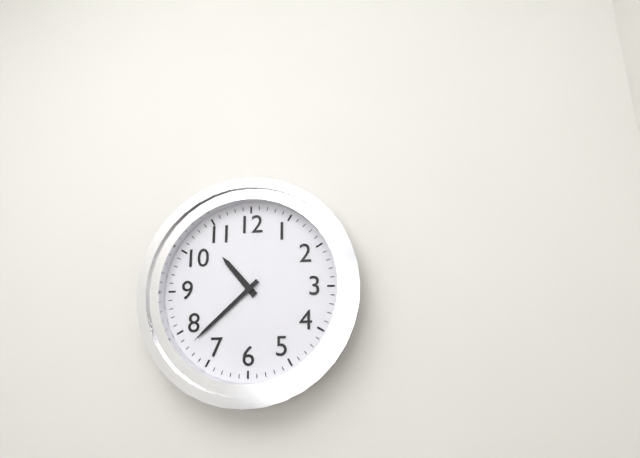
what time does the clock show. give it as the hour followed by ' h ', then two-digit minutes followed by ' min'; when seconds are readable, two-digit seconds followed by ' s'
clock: 10 h 38 min
